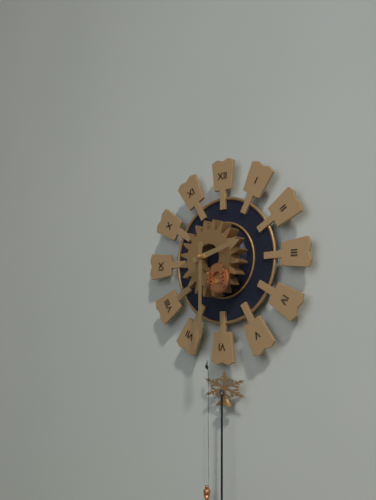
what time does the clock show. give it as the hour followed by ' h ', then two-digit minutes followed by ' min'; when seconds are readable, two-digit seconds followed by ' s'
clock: 2 h 30 min
